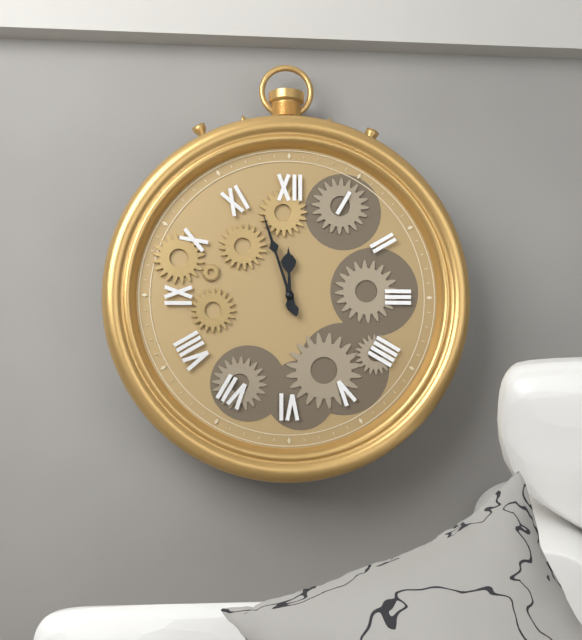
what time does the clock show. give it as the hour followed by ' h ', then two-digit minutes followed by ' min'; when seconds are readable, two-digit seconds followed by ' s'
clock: 11 h 57 min
